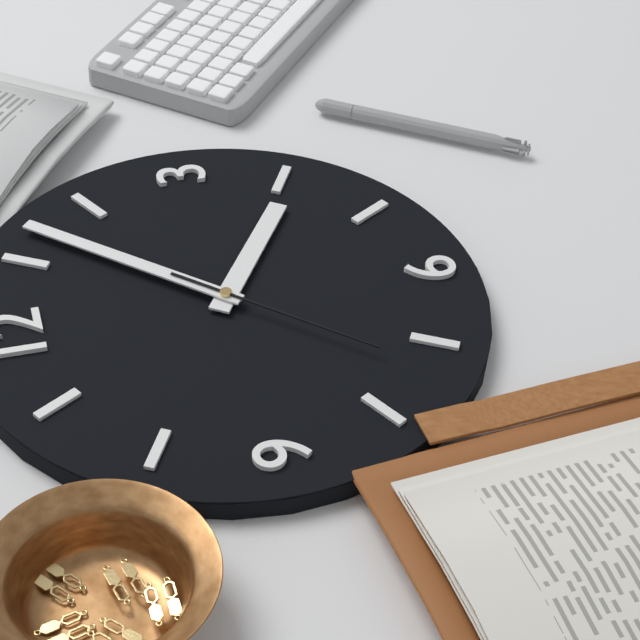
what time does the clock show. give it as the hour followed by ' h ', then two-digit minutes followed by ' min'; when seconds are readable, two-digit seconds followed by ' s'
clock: 4 h 07 min 37 s
